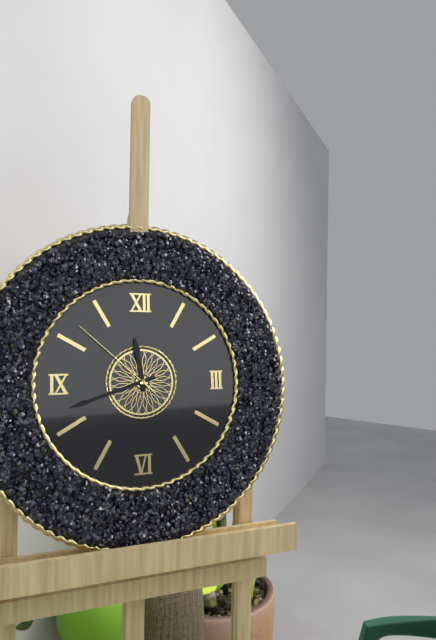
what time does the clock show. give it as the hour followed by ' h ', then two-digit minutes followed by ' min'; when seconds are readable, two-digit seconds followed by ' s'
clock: 11 h 42 min 52 s
